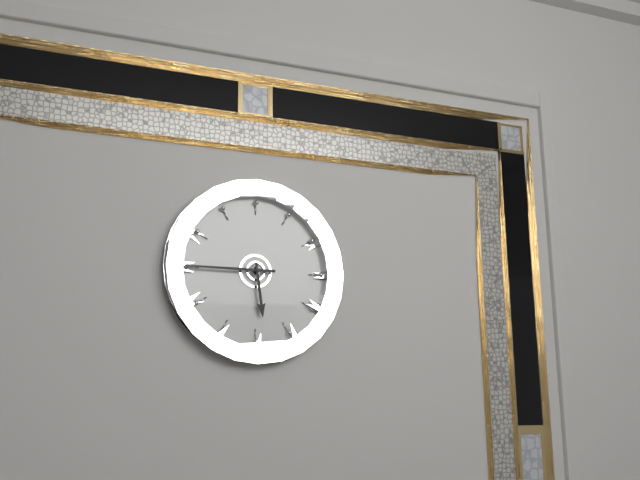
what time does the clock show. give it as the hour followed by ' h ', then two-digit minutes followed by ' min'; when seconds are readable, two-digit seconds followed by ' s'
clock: 5 h 45 min
